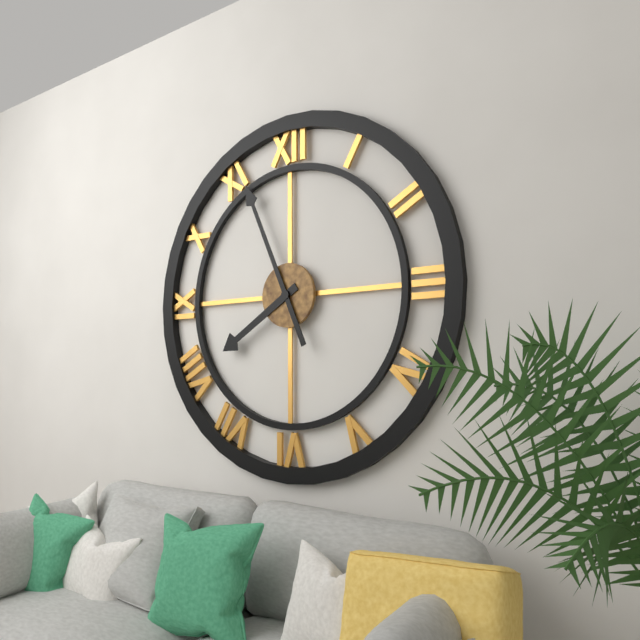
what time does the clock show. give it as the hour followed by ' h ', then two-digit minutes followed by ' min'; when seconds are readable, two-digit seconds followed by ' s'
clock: 7 h 56 min
